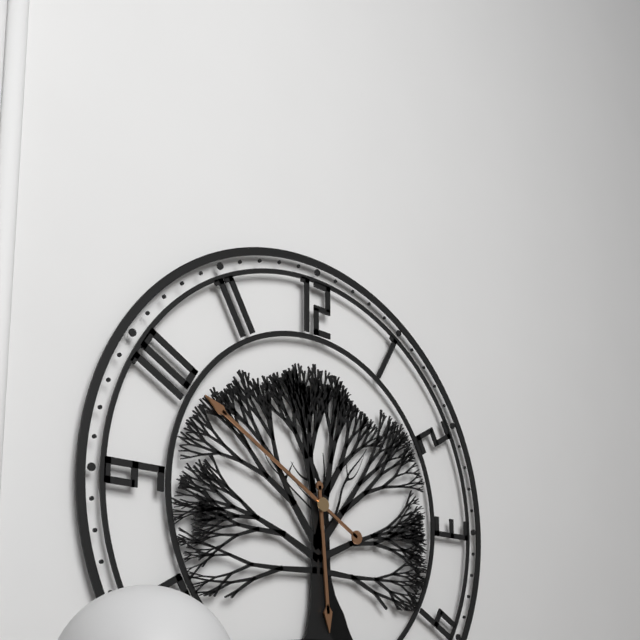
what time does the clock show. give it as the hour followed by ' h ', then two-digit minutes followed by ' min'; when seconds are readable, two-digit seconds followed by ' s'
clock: 5 h 50 min
